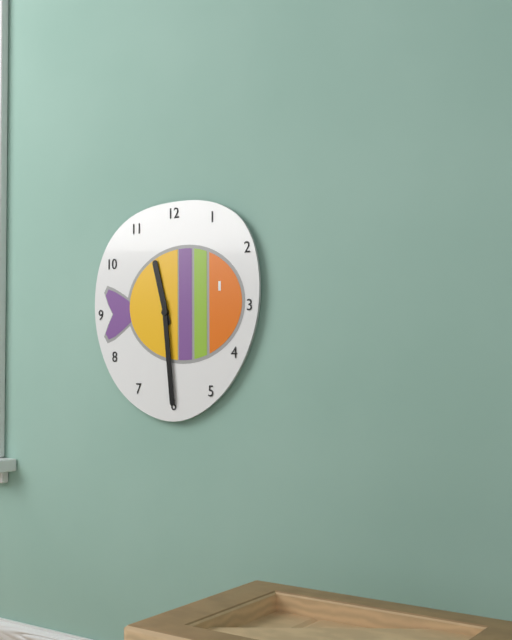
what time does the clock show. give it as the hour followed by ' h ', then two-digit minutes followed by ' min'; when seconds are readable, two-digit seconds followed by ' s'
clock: 11 h 29 min
